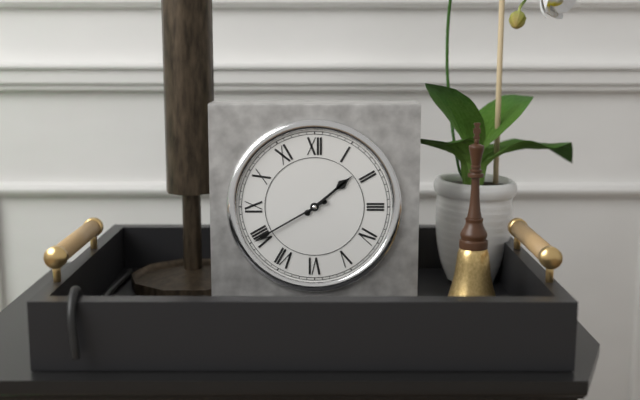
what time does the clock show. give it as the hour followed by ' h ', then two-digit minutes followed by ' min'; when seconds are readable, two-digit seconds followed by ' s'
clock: 1 h 40 min
